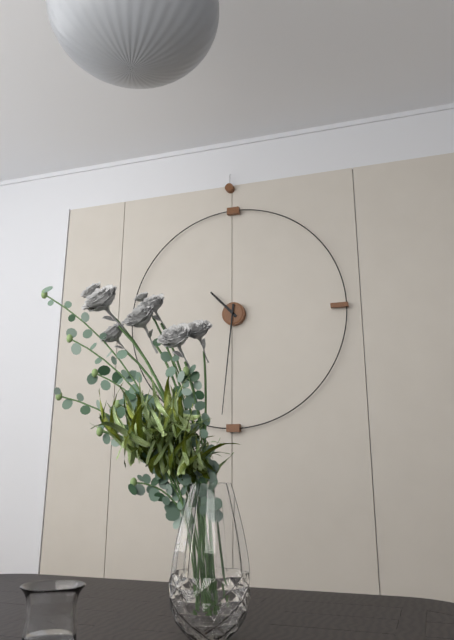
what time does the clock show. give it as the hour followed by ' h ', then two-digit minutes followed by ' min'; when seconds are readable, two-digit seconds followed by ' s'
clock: 10 h 31 min
